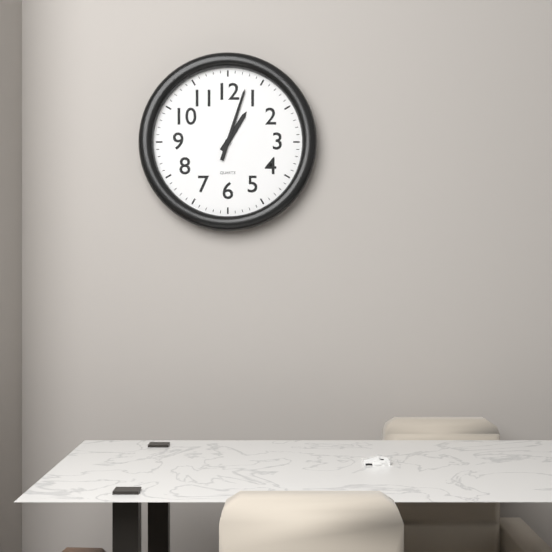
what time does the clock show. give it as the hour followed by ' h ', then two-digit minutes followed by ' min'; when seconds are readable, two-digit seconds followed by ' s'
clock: 1 h 03 min
